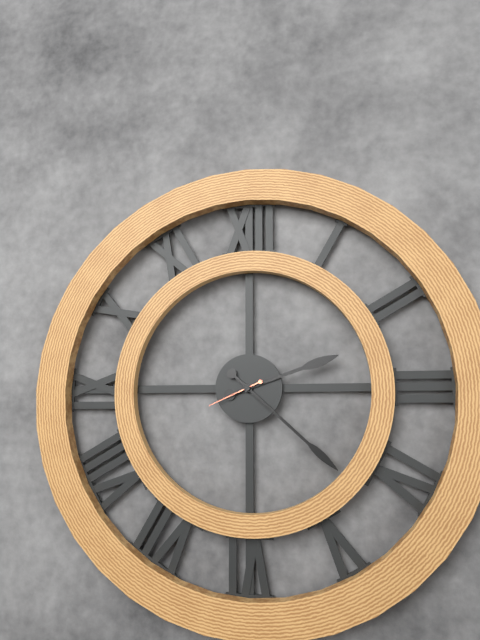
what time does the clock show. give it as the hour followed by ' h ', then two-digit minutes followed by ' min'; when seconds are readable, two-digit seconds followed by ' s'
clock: 2 h 22 min 41 s
